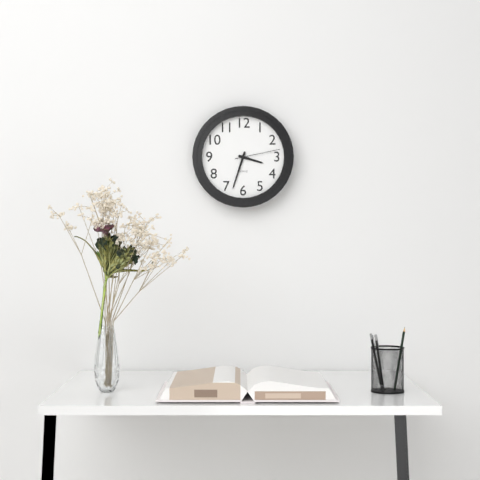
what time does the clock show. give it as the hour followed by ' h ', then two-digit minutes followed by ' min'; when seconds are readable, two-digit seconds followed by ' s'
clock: 3 h 33 min
